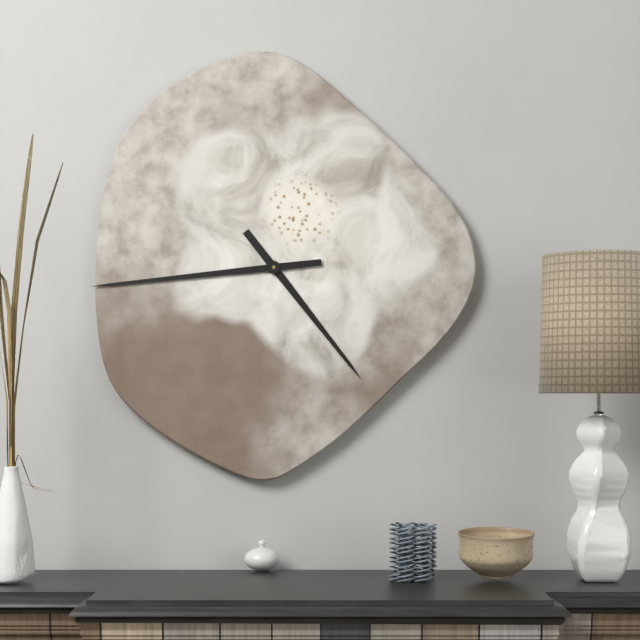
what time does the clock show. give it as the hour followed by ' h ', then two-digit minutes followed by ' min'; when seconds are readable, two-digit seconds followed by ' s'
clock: 4 h 44 min
